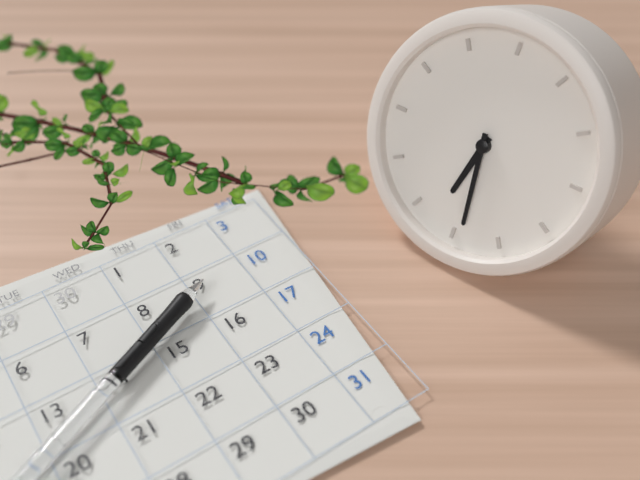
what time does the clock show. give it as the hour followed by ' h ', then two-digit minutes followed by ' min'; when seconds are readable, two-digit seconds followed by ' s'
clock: 6 h 29 min
